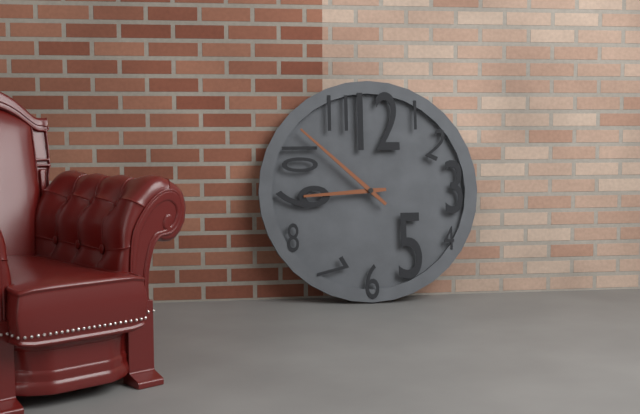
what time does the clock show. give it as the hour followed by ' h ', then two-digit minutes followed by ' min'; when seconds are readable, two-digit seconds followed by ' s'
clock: 8 h 52 min
